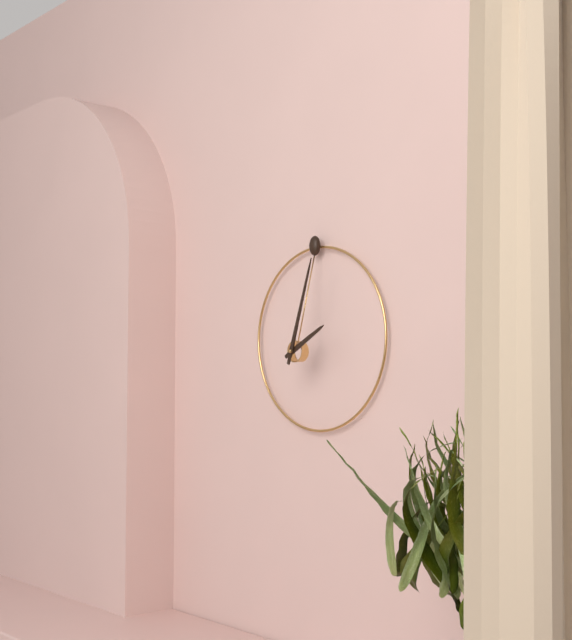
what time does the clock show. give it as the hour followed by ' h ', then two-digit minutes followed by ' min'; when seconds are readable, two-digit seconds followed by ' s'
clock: 2 h 03 min
